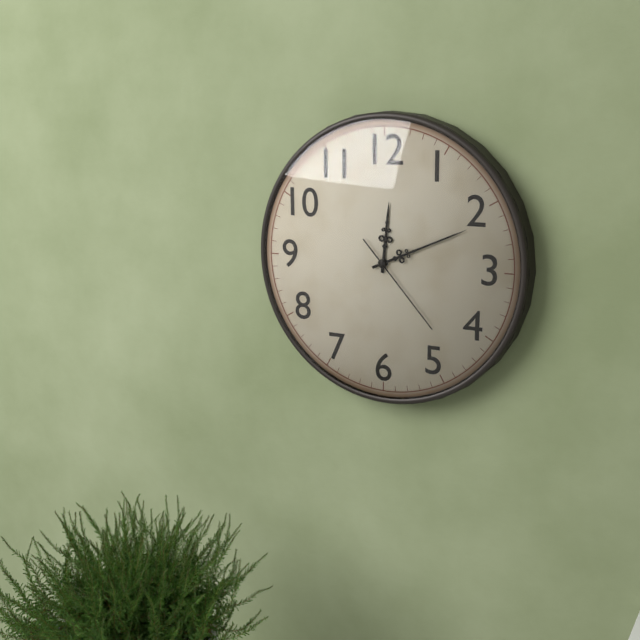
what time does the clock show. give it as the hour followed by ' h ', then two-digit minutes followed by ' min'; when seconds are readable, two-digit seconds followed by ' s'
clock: 12 h 11 min 23 s
